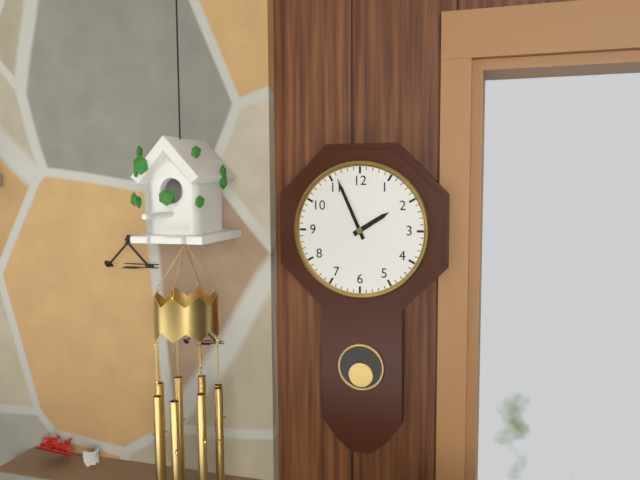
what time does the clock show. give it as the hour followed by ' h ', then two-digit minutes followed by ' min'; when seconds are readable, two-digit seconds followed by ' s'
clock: 1 h 56 min
